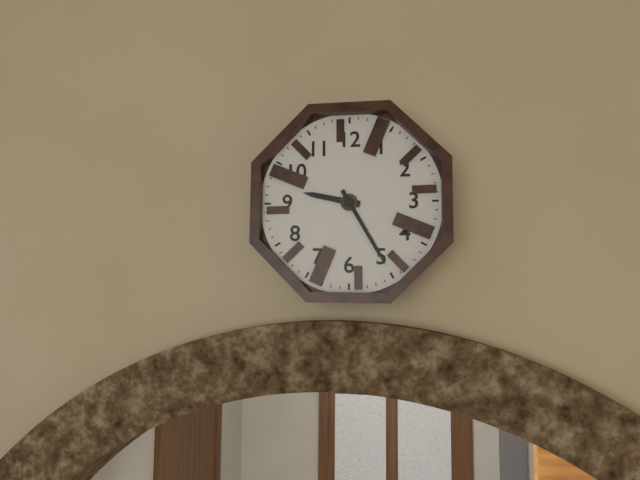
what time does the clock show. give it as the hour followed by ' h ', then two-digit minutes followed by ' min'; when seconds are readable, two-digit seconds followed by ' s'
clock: 9 h 25 min
